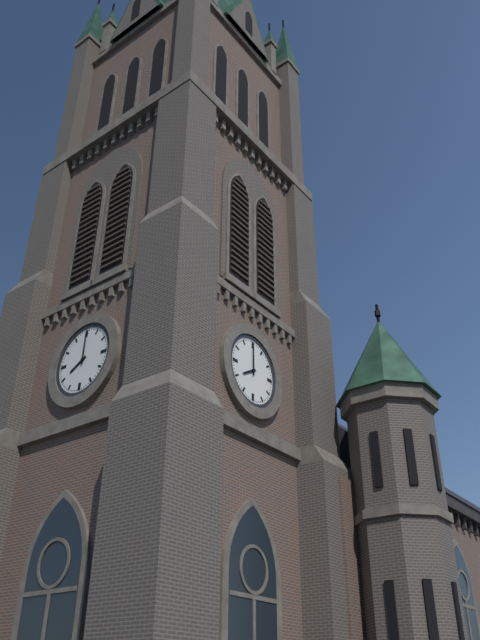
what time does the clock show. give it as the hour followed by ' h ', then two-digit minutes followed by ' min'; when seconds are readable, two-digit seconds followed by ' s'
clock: 8 h 00 min
